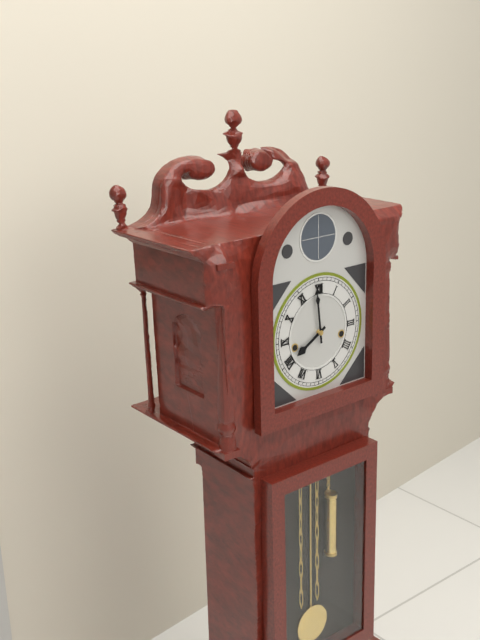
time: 7:59
